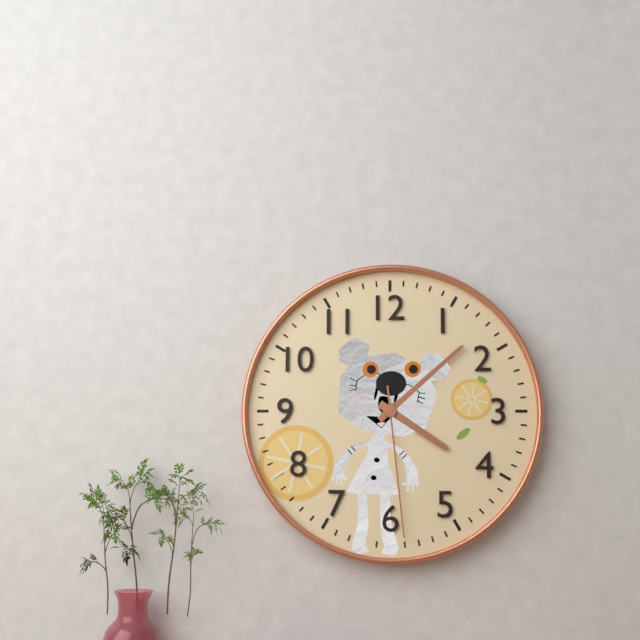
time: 4:08:29
